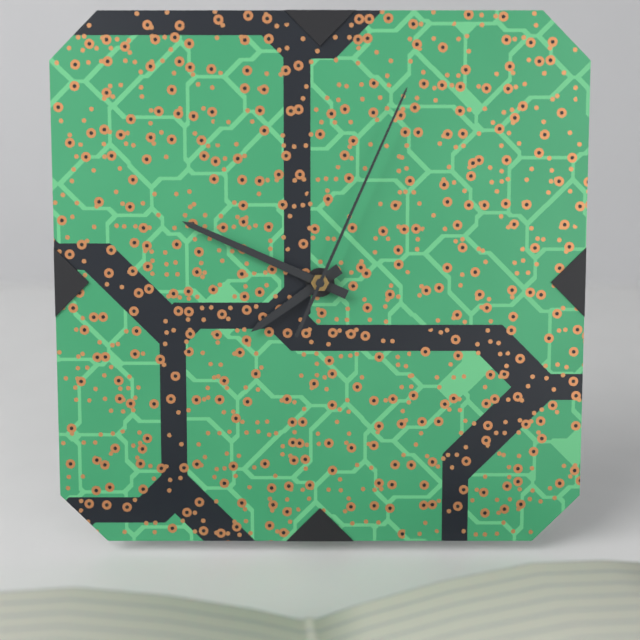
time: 7:49:04
